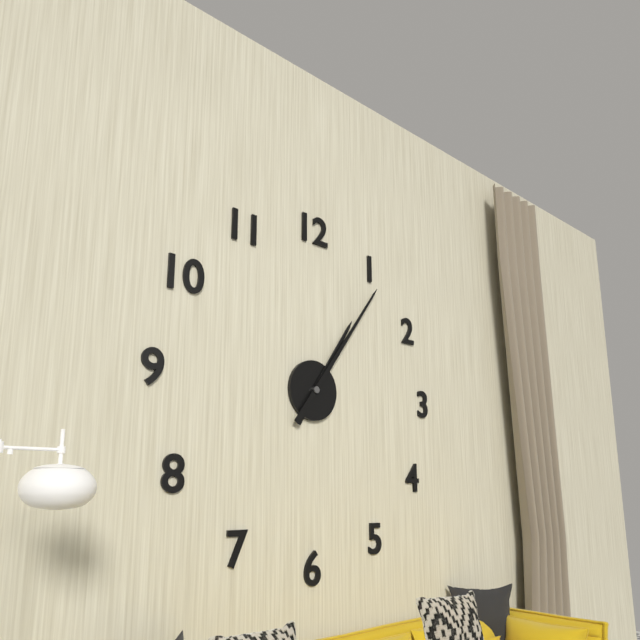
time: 1:06
